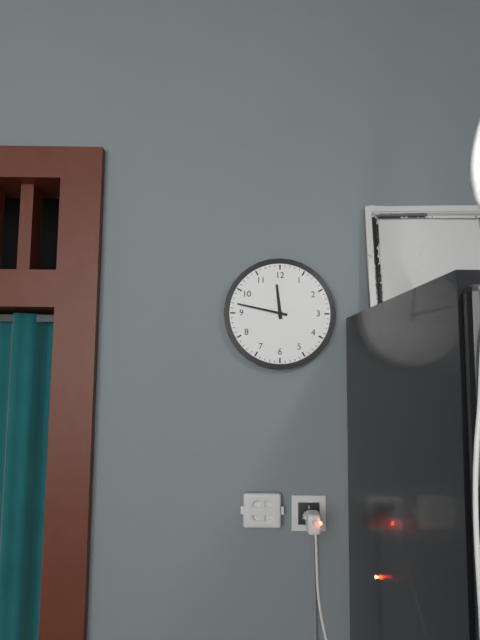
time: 11:47
